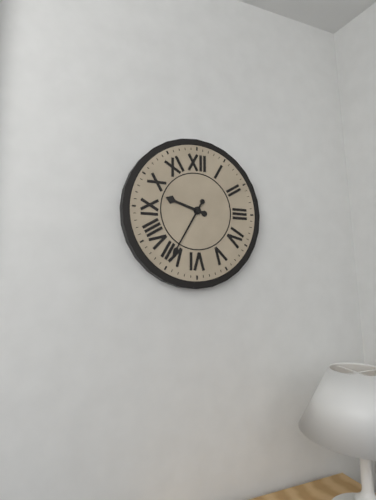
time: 9:35
